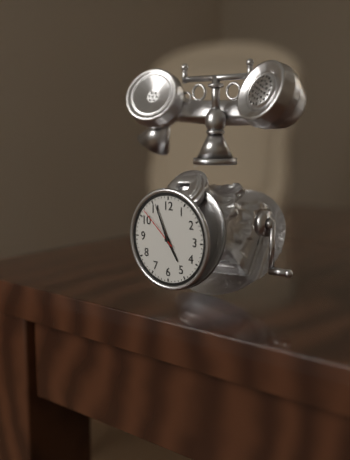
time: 4:56
